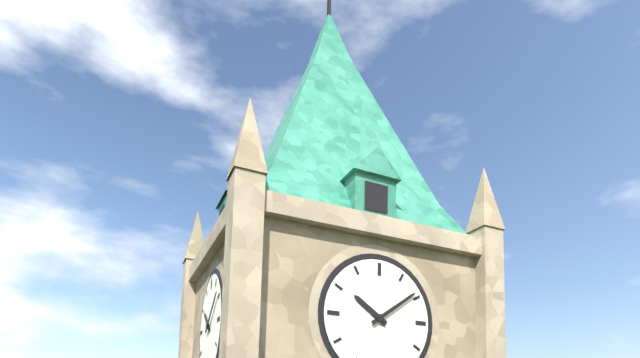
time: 10:09
